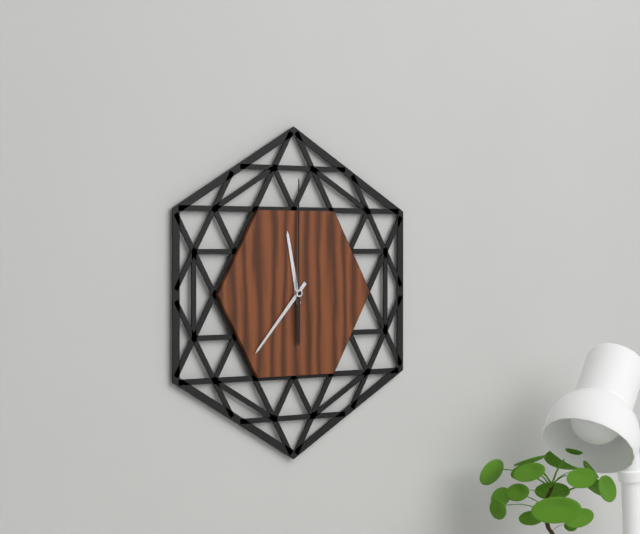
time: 11:37:00
